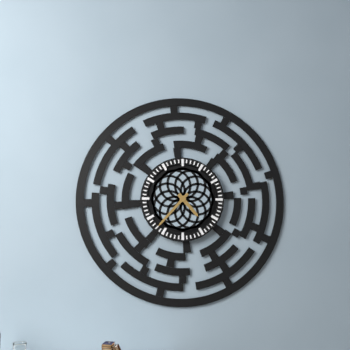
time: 4:37
